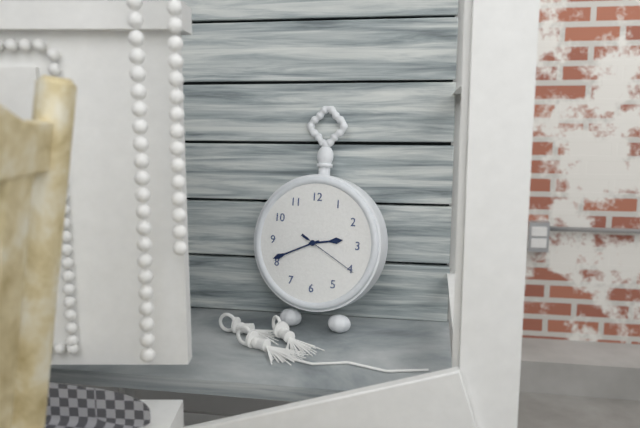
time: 2:41:20
